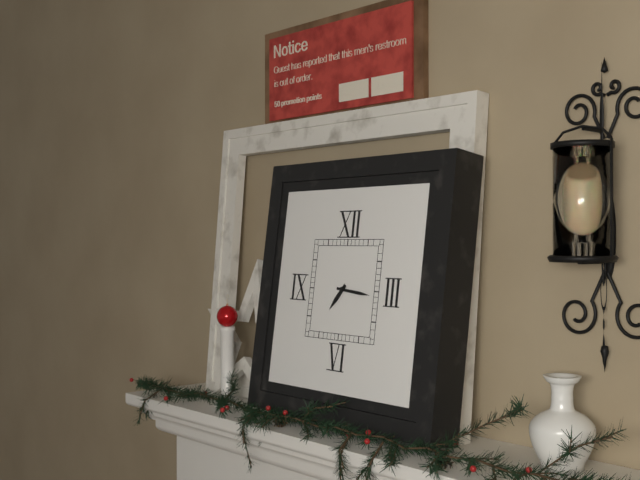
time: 7:16
